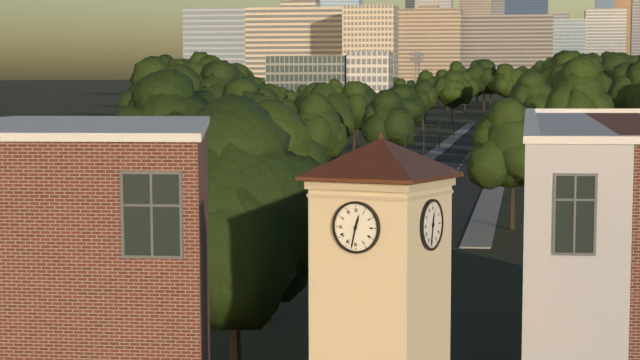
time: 12:32
